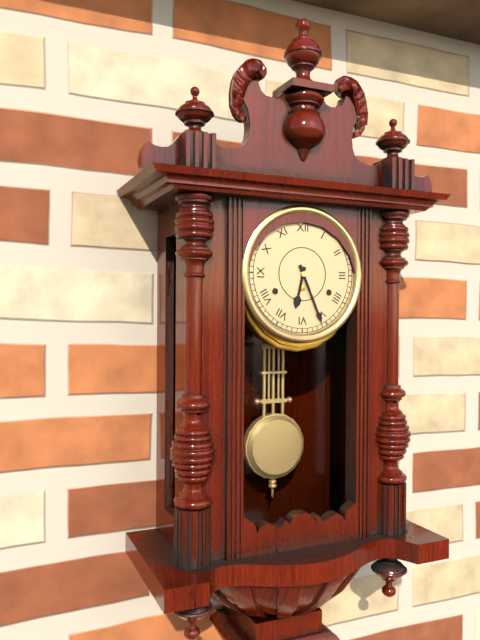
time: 6:26
